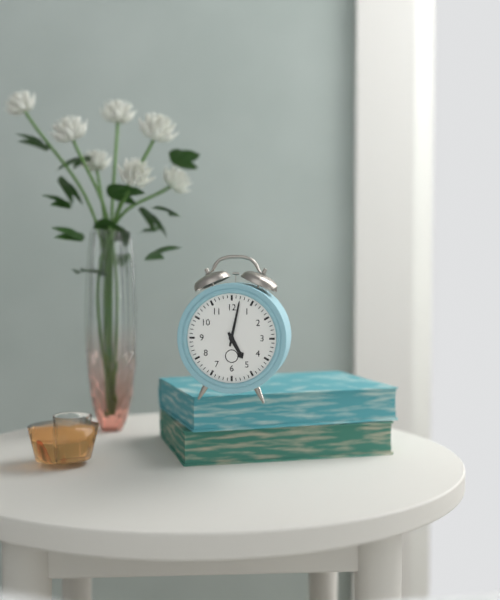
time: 5:02
